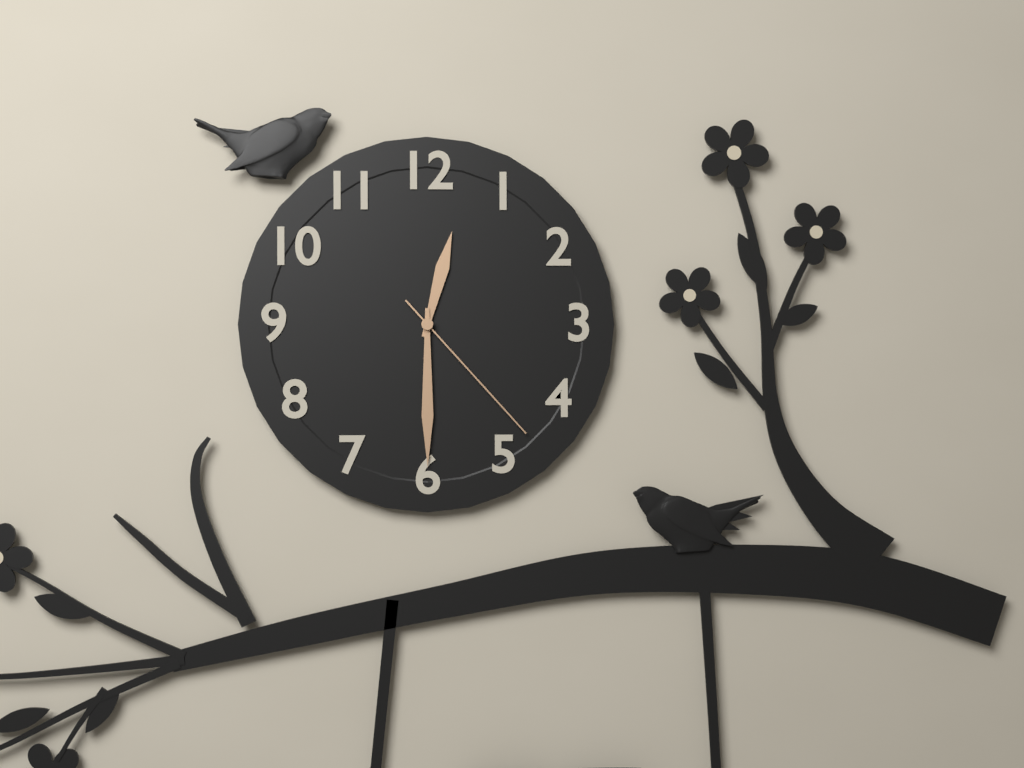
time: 12:30:23
